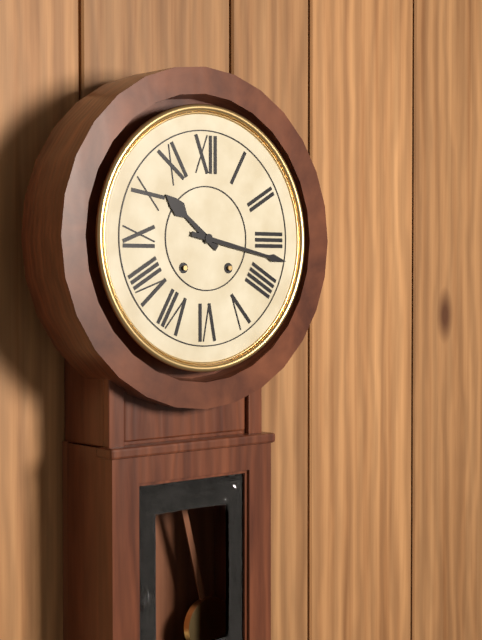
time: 10:17
